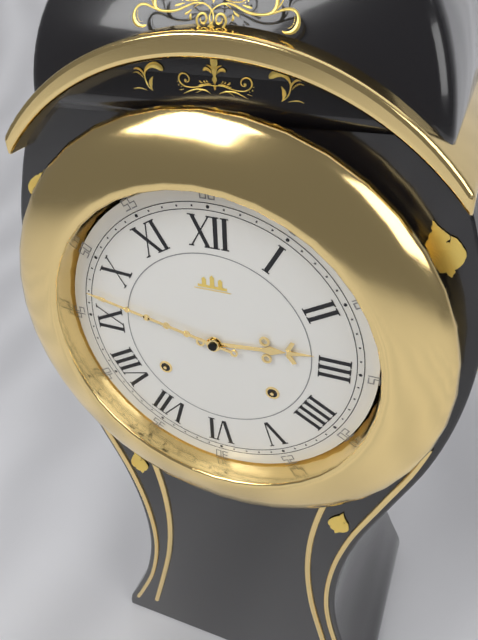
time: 2:47
